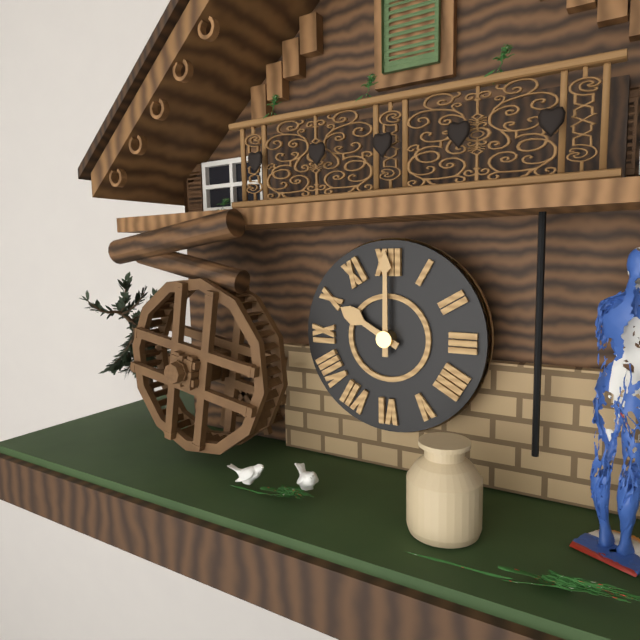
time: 10:00
